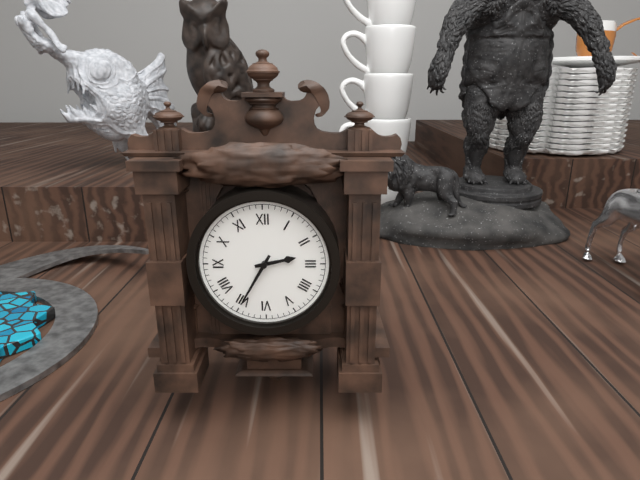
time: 2:35
